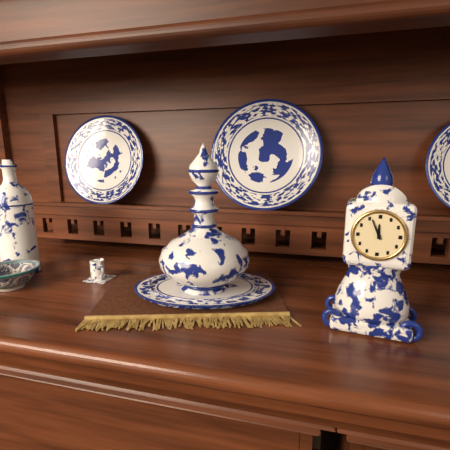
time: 11:56
